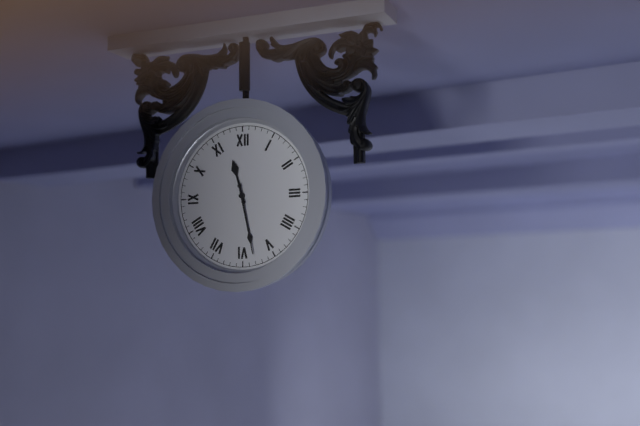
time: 11:28
